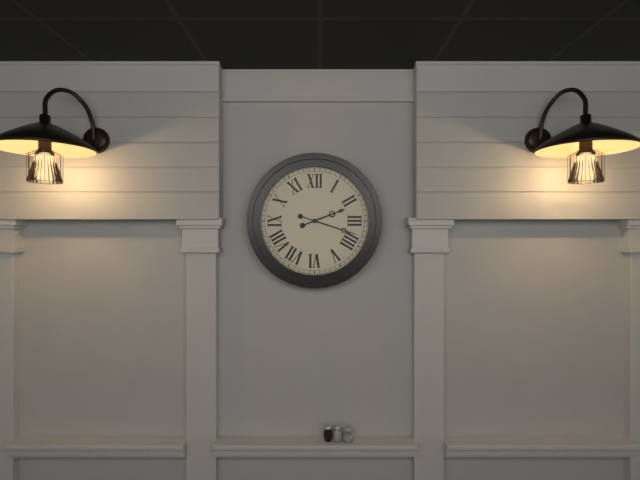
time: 2:18
